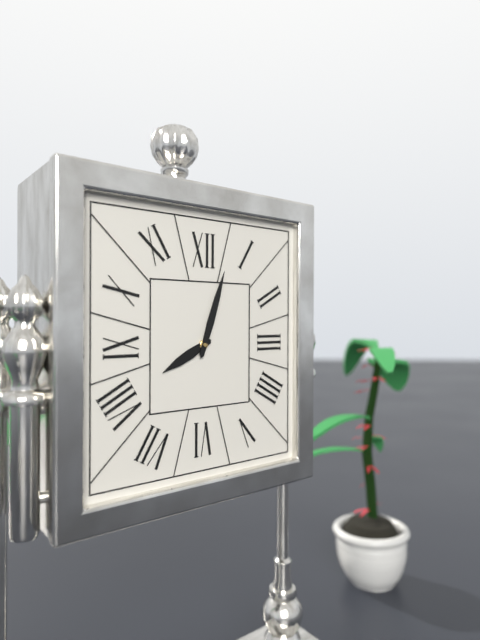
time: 8:03
